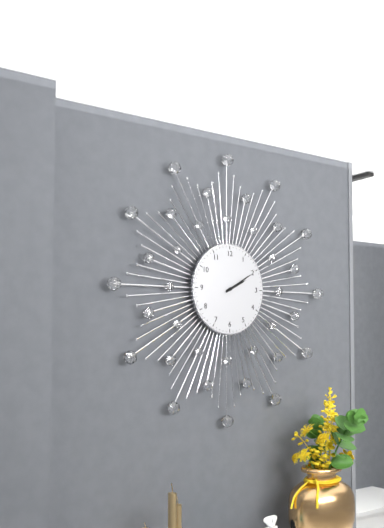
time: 2:10
